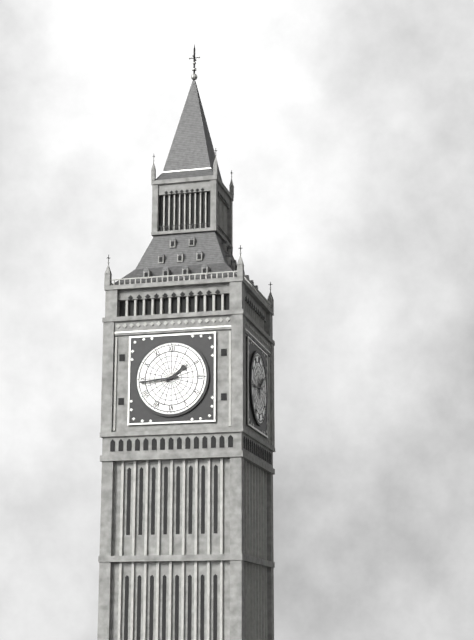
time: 1:44
